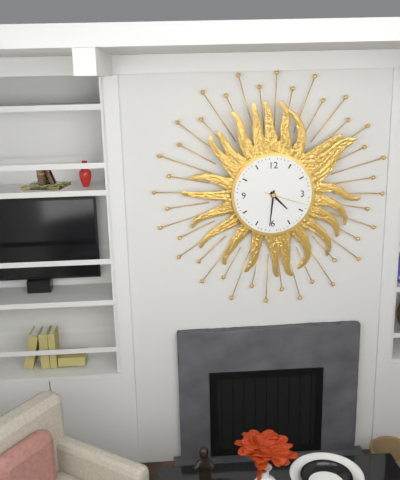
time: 4:31
